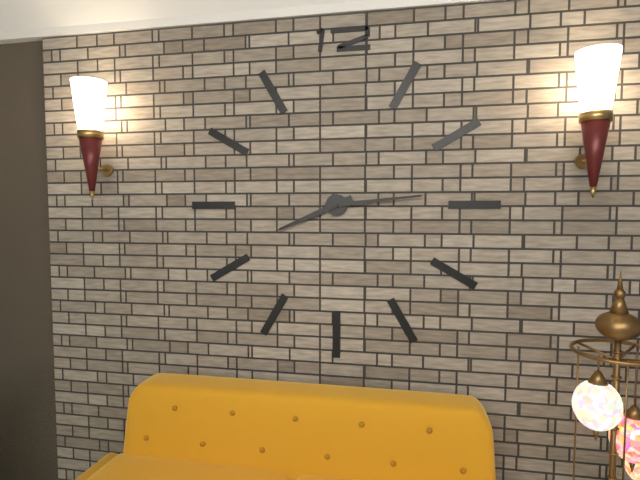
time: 8:14
